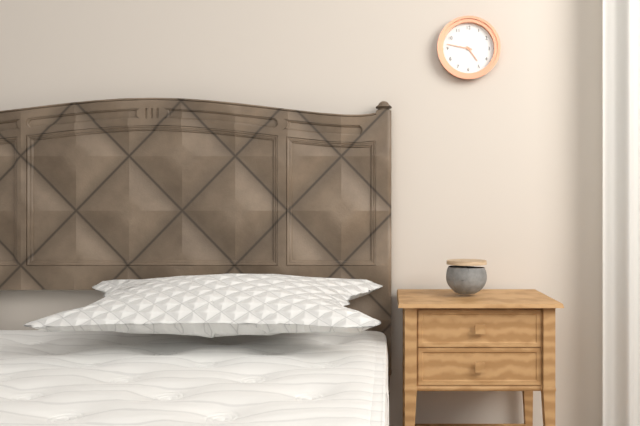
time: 4:47
